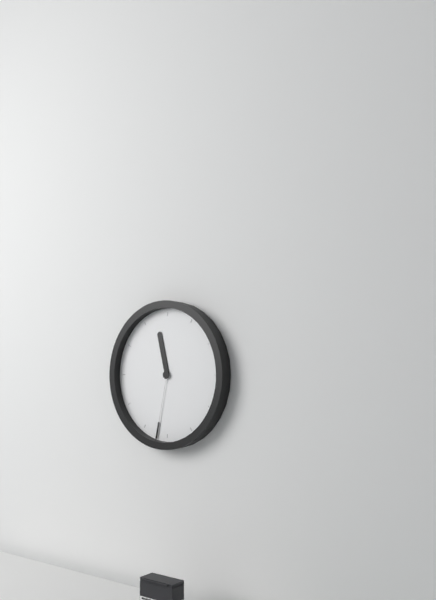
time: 11:32
